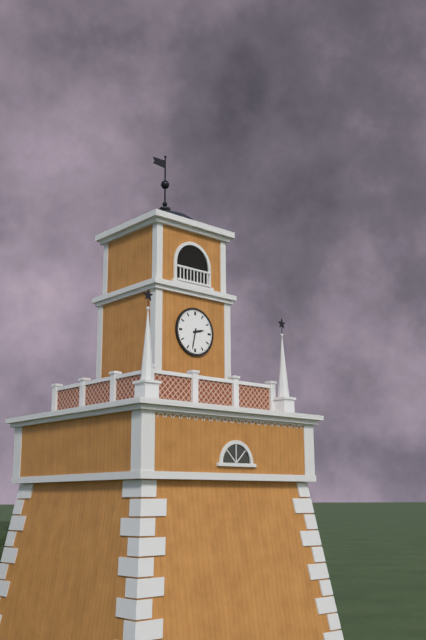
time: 2:32
